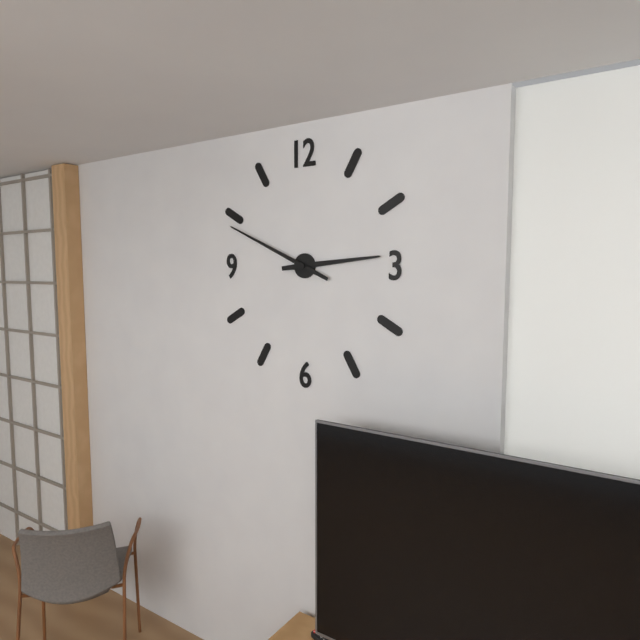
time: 2:49
